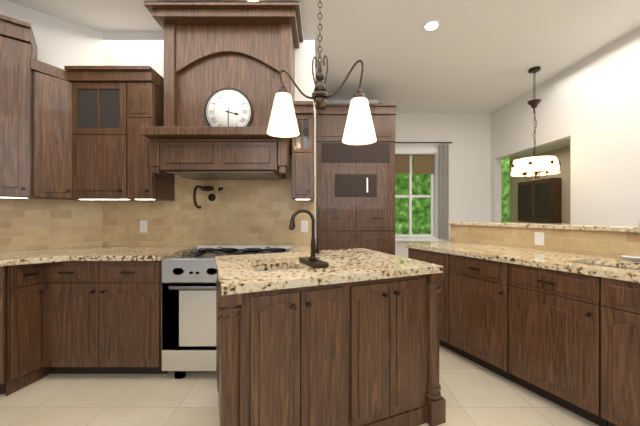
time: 3:30
